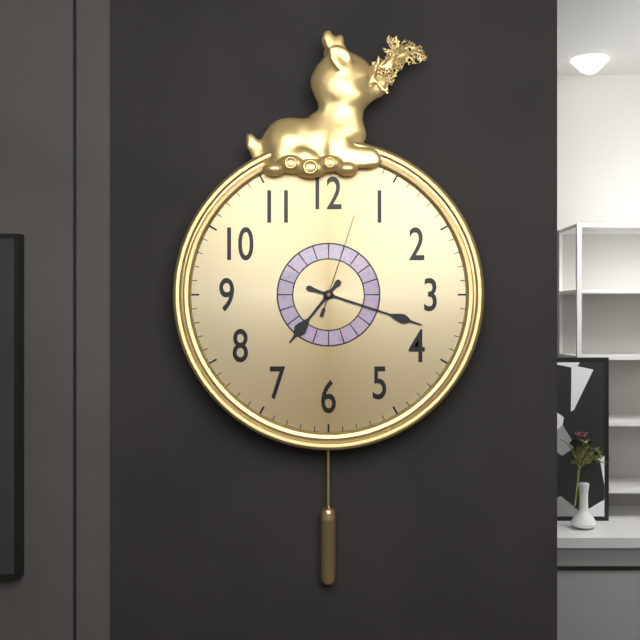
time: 7:18:03
